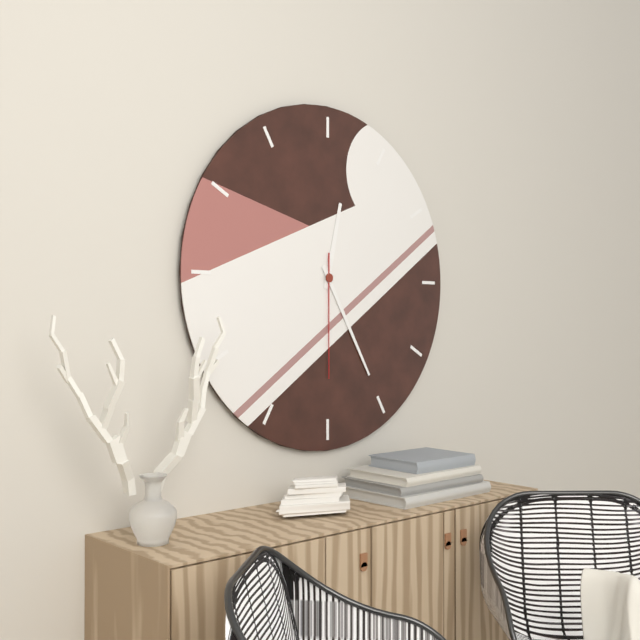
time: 12:25:30
